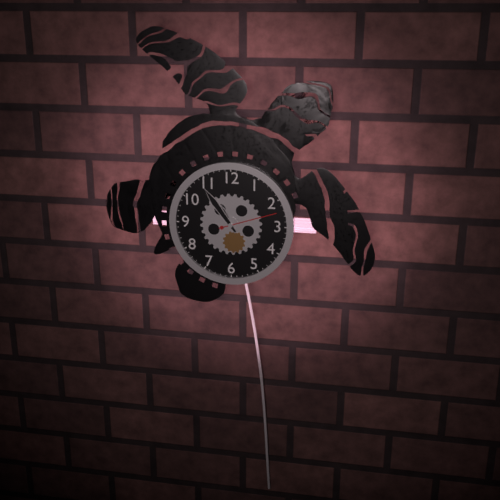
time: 10:54
